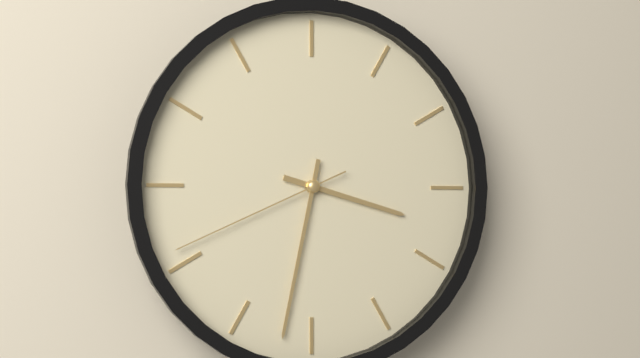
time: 3:32:41
